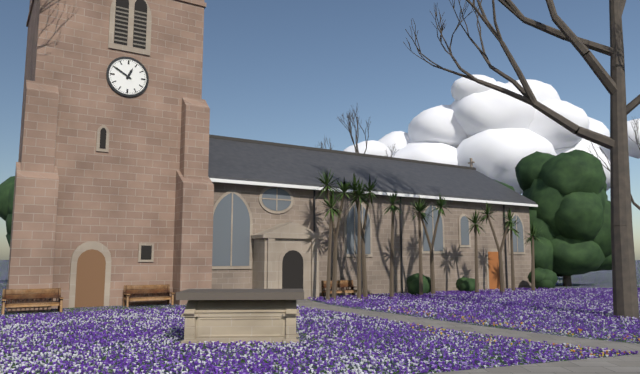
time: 12:50
